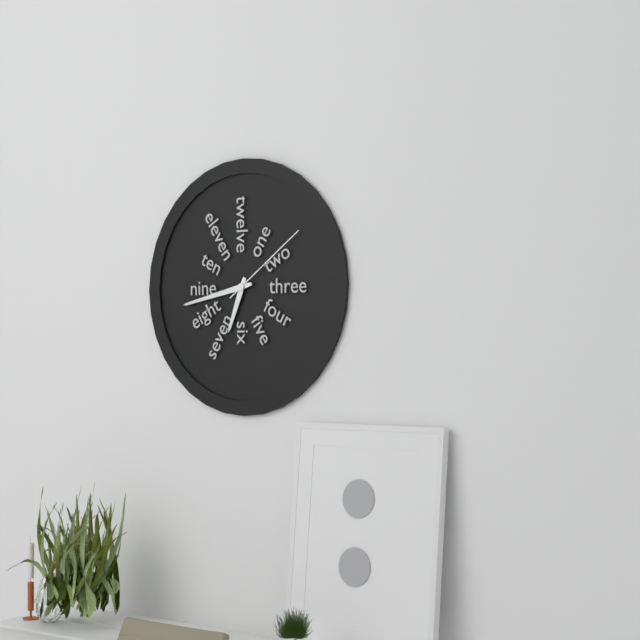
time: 6:43:09
